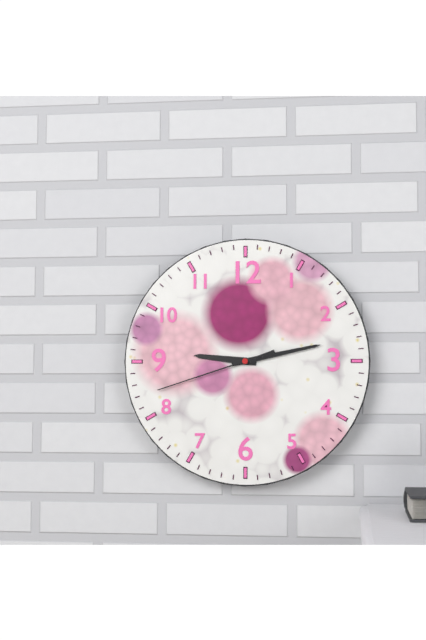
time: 9:13:42
